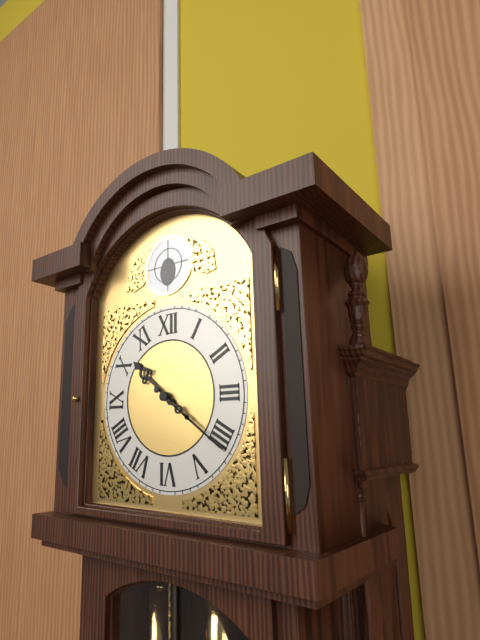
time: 10:21
